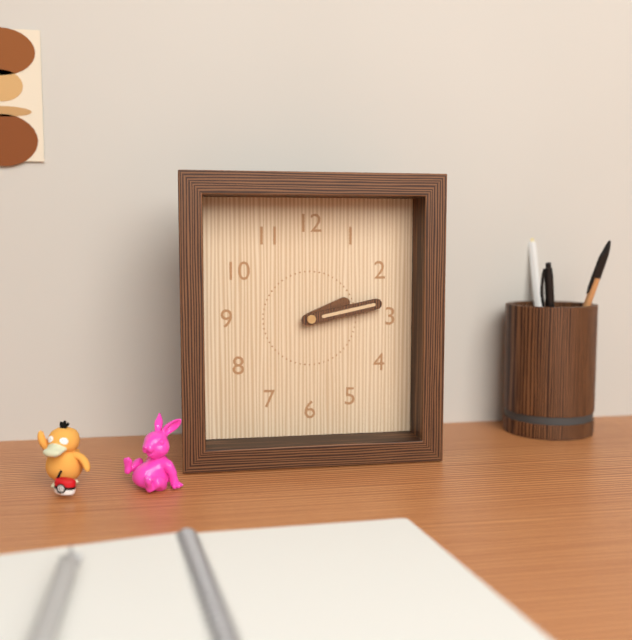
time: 2:13
